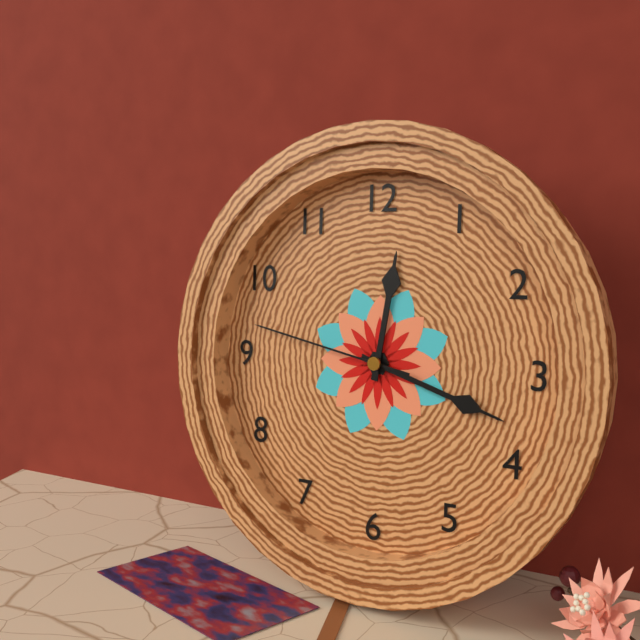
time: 12:18:47
